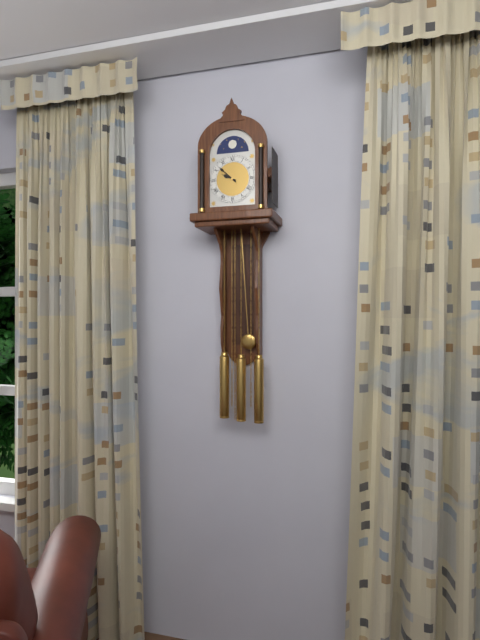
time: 9:52
